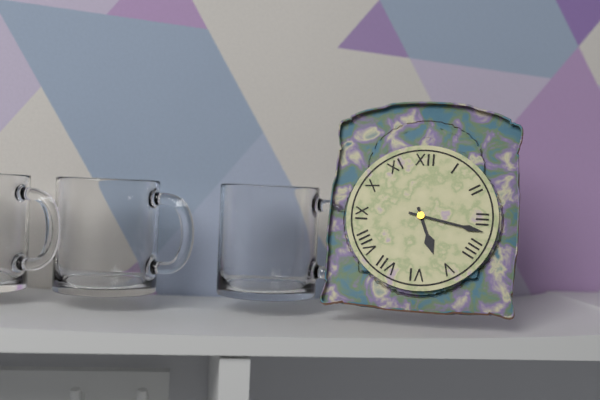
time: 5:17
